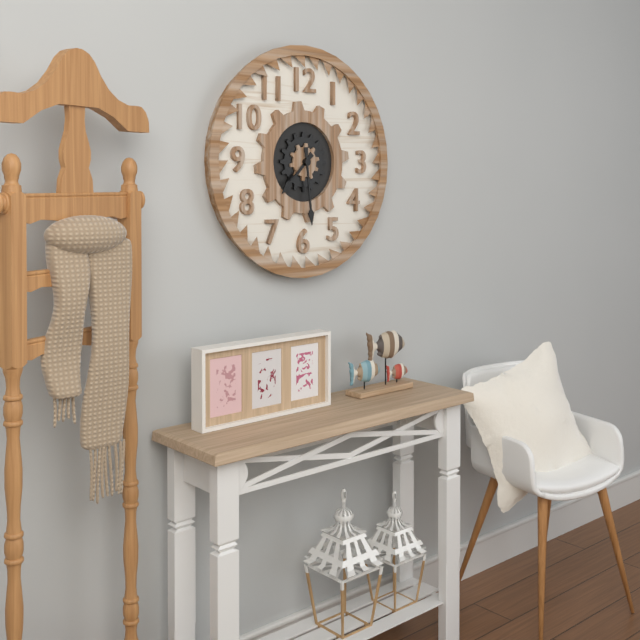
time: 7:29
